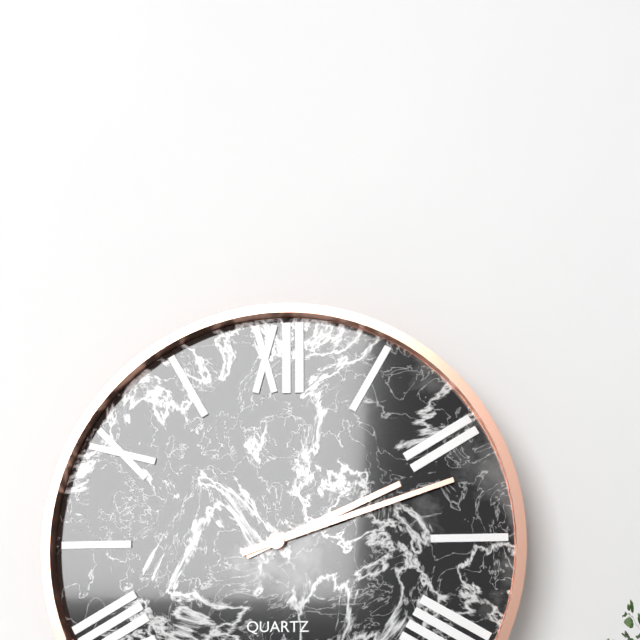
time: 2:12
